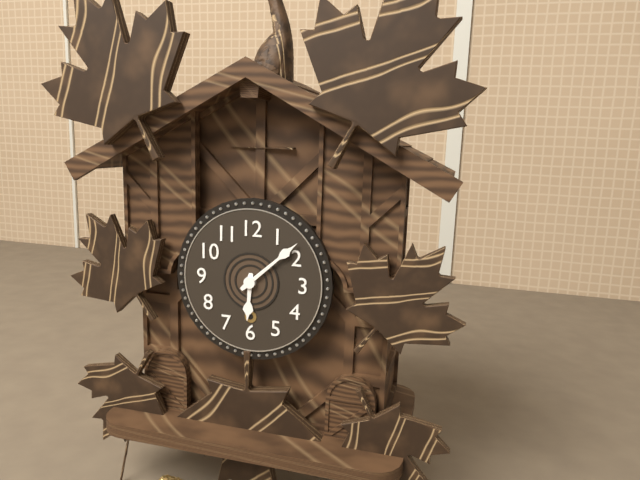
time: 6:08
